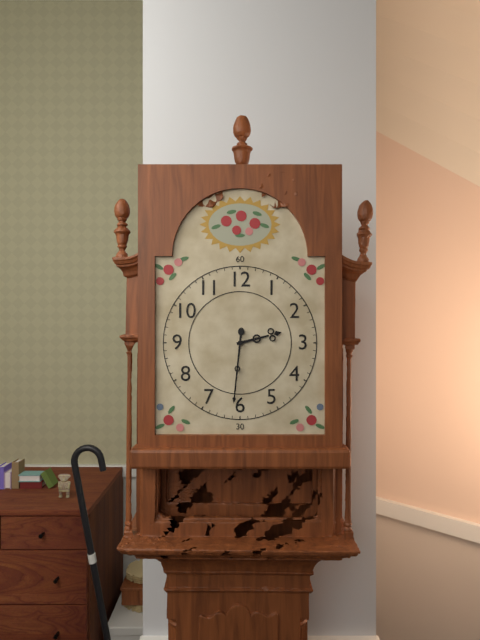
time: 2:31
